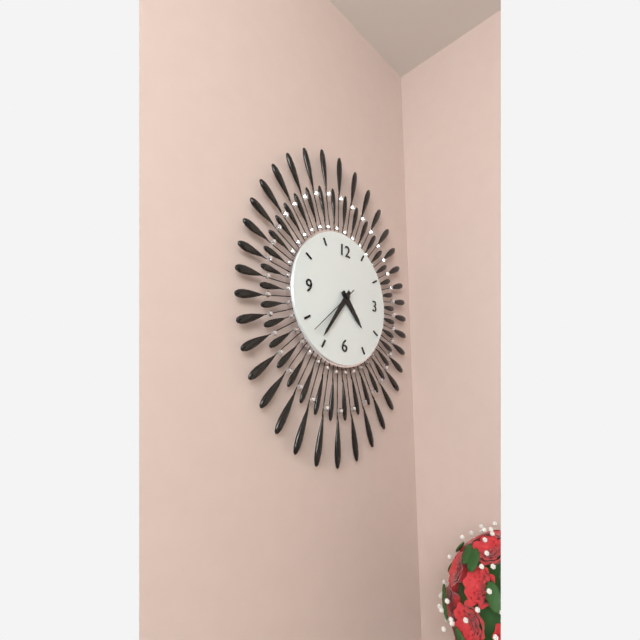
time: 4:36:38
